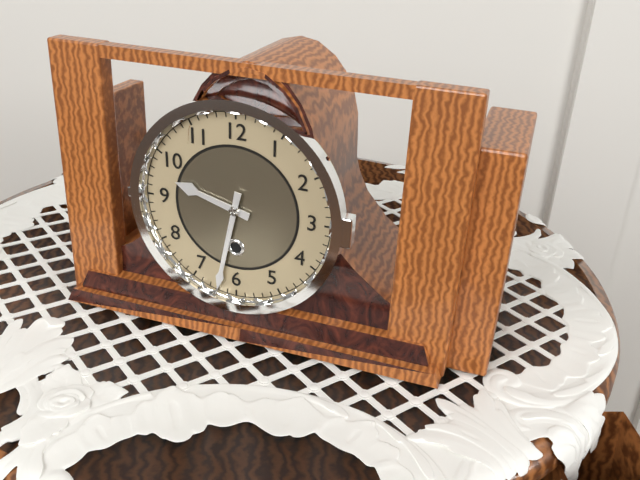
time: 9:32
